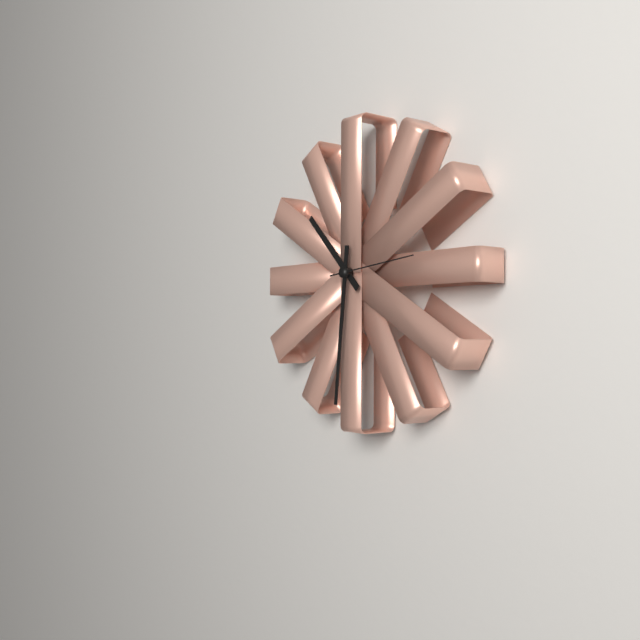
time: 10:31
